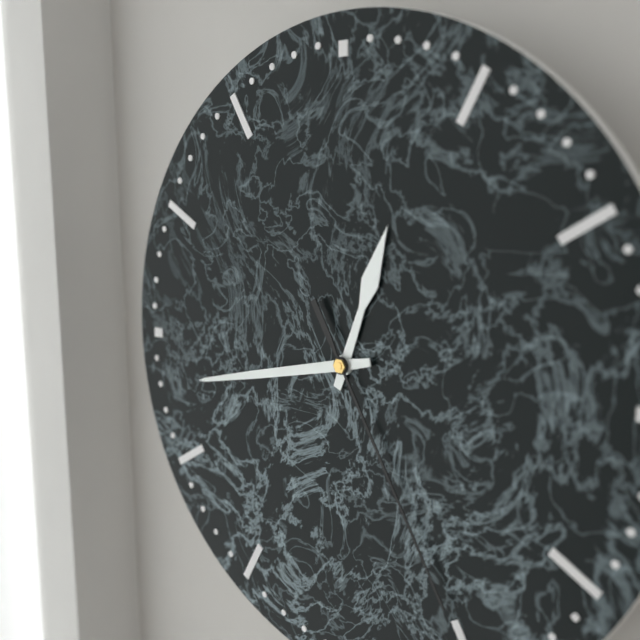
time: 12:43:25
